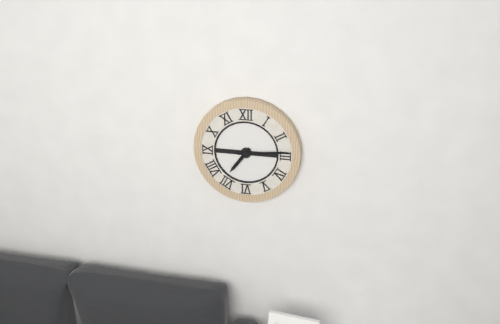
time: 7:14
